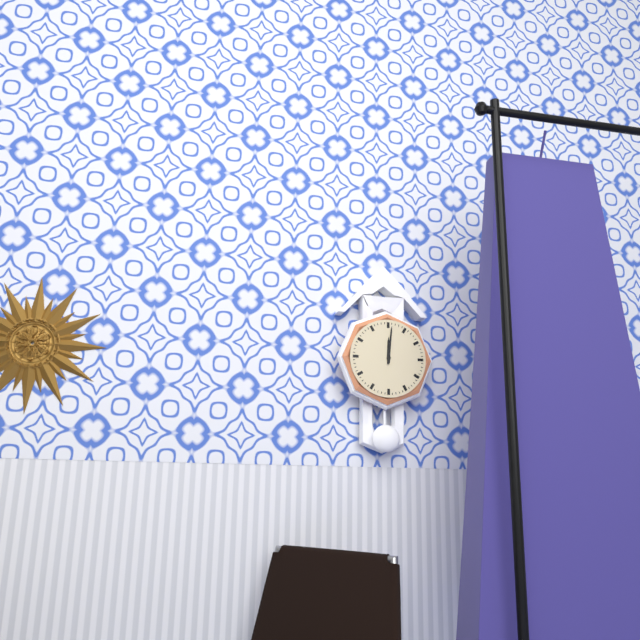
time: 12:01
